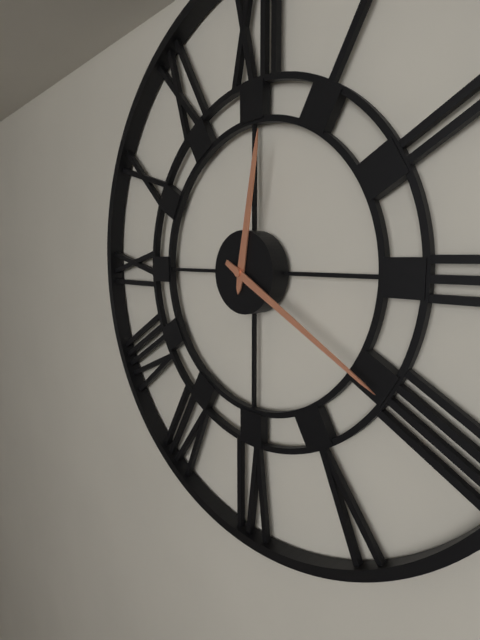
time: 12:20
